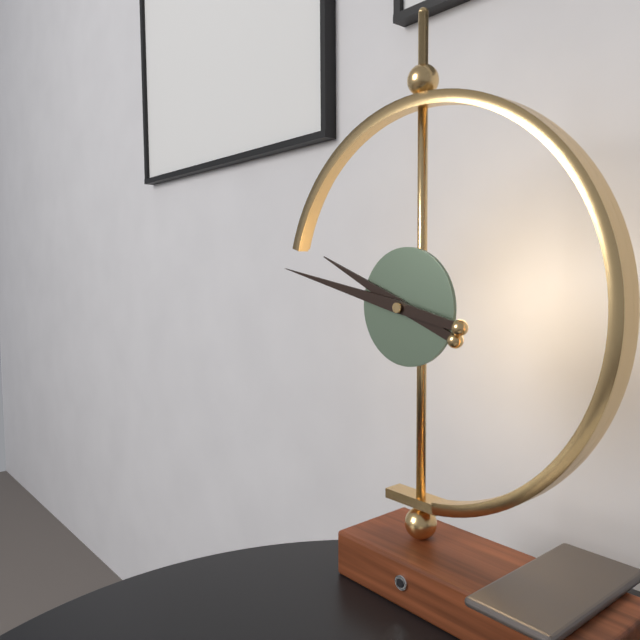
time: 9:47
